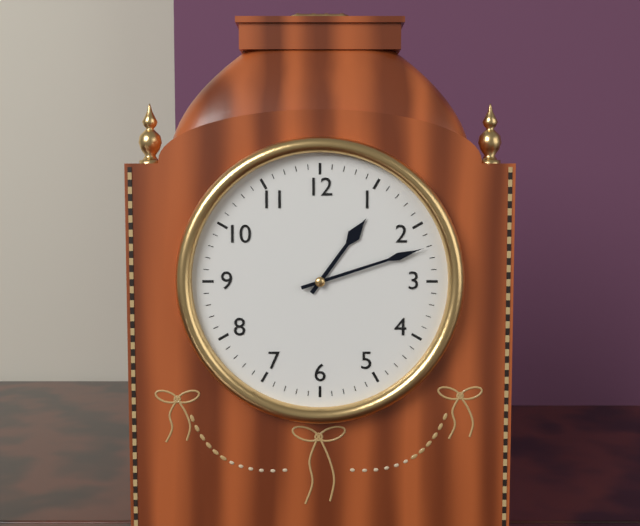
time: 1:12
